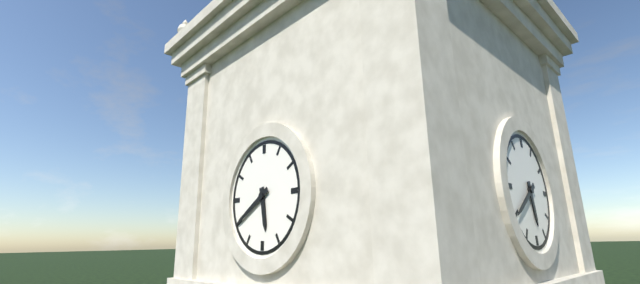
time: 5:40
